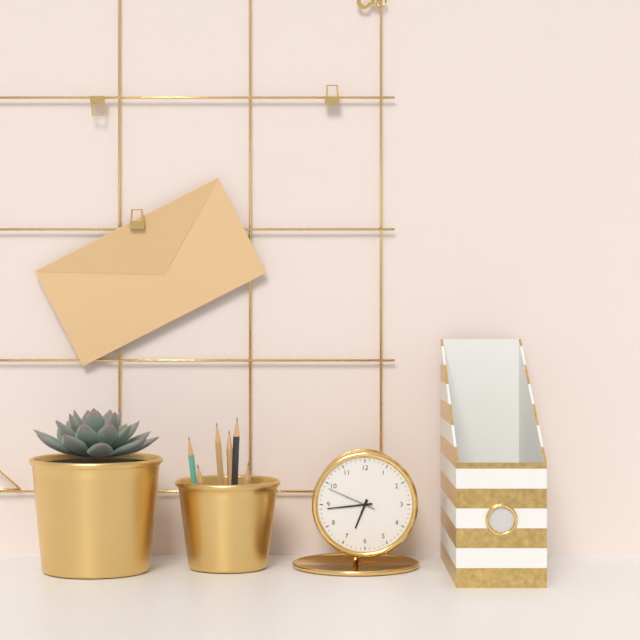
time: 6:44:49
